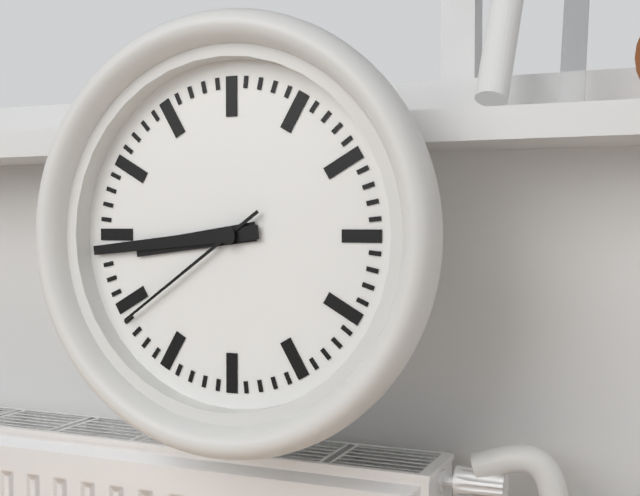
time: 8:44:39
